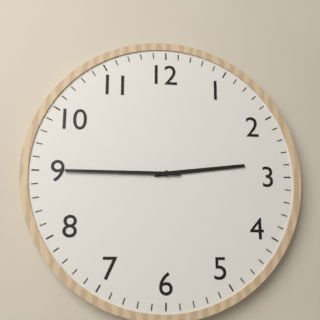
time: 2:45
